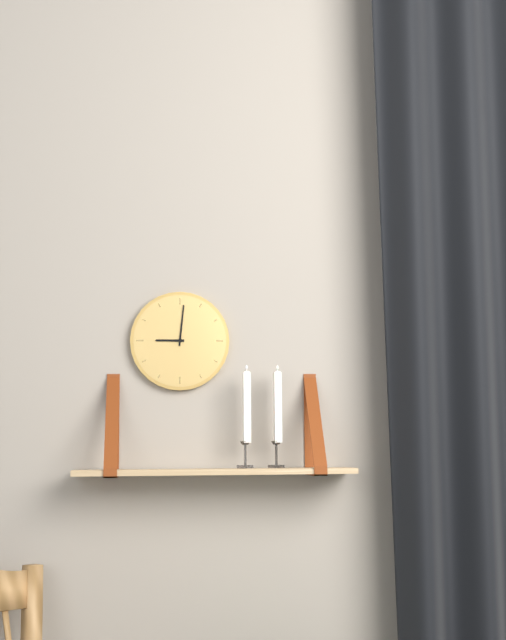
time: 9:01
